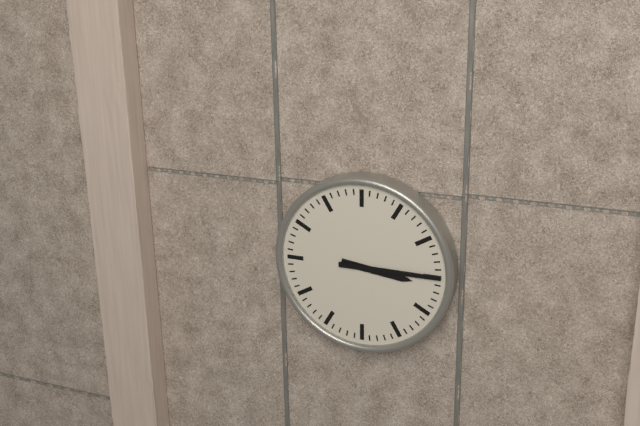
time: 3:15
